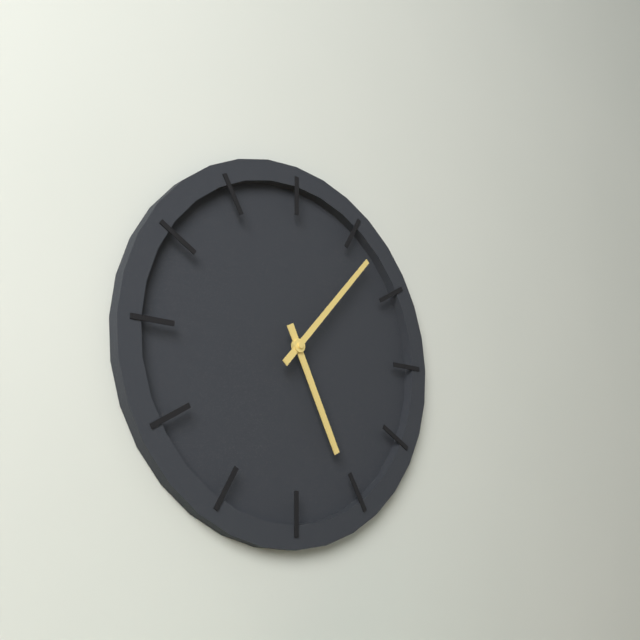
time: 5:07
